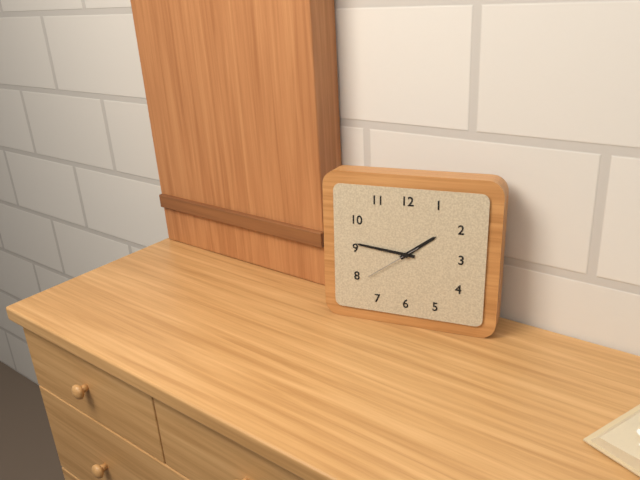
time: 1:46:39
